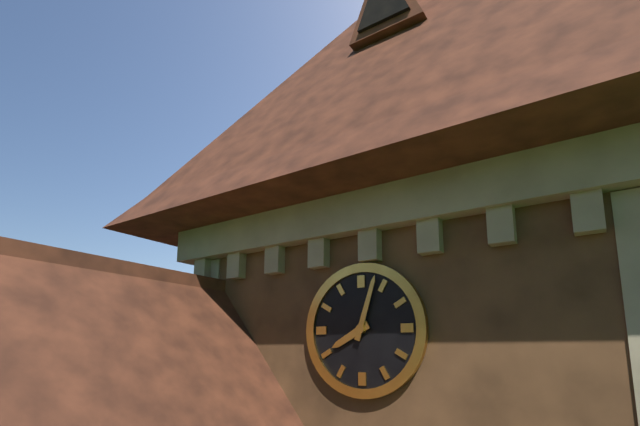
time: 8:03
